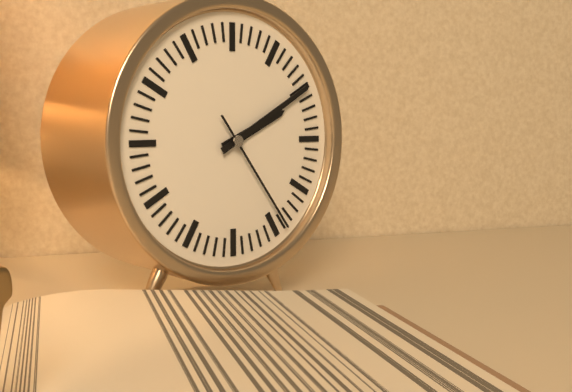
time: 2:10:24
